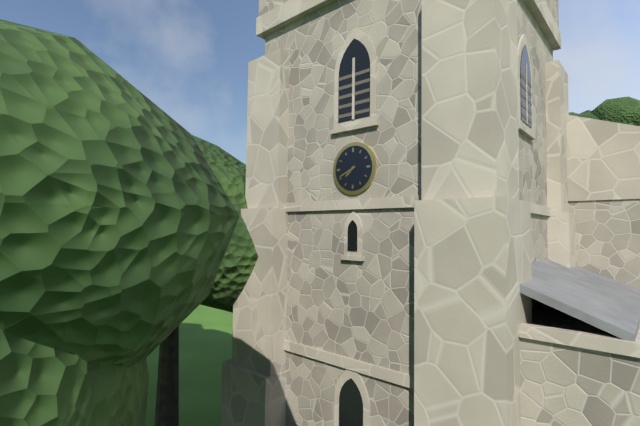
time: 7:41
